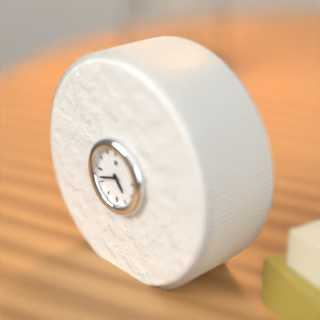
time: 4:42
